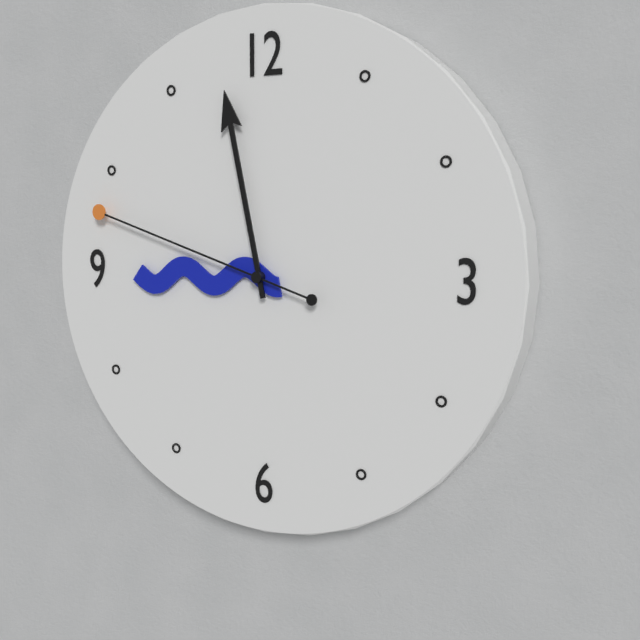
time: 8:58:48
